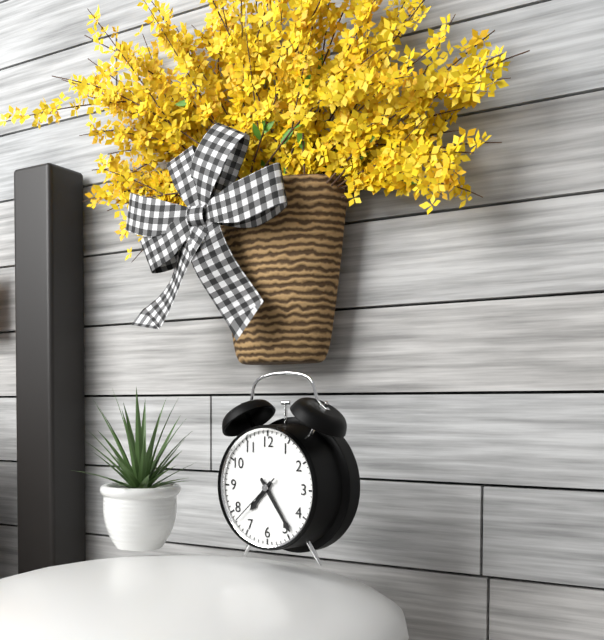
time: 7:24:38
